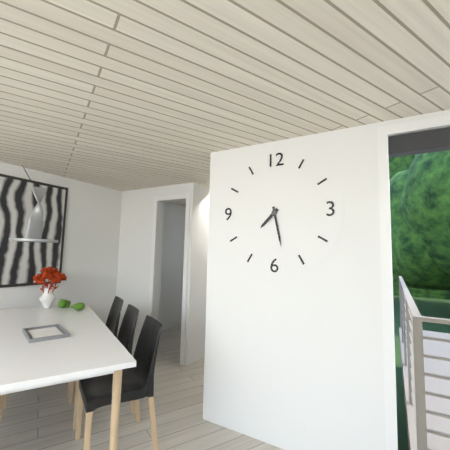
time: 7:28
